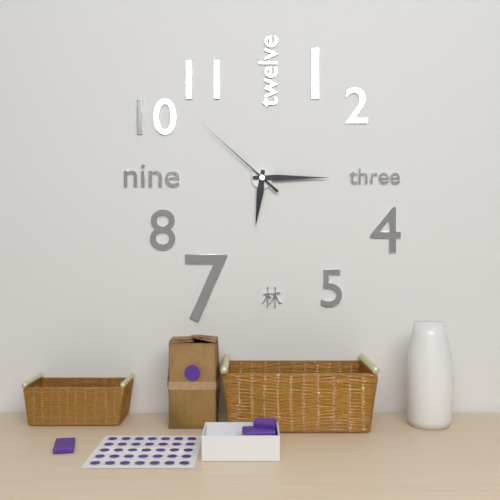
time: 6:15:52
